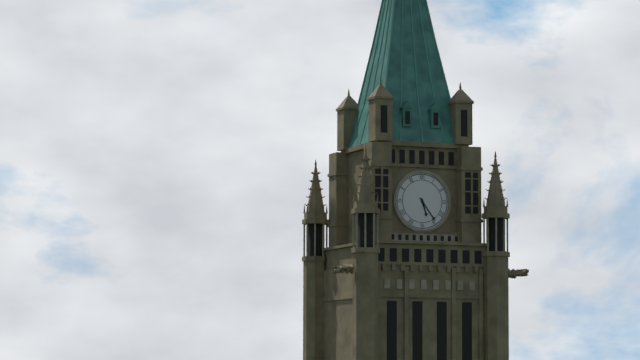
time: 5:24
